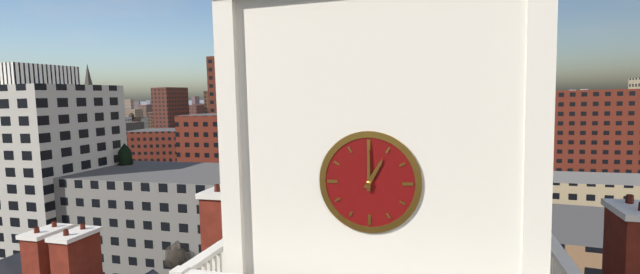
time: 1:00
